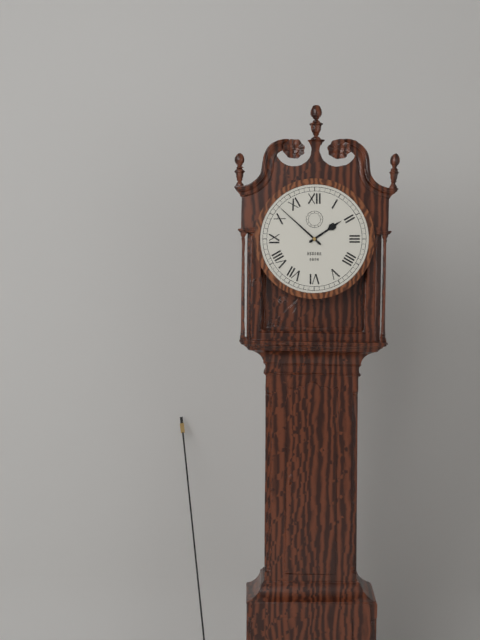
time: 1:52
